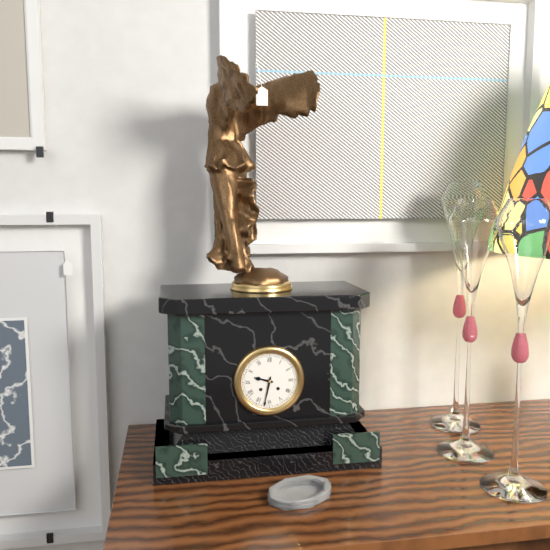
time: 9:32
